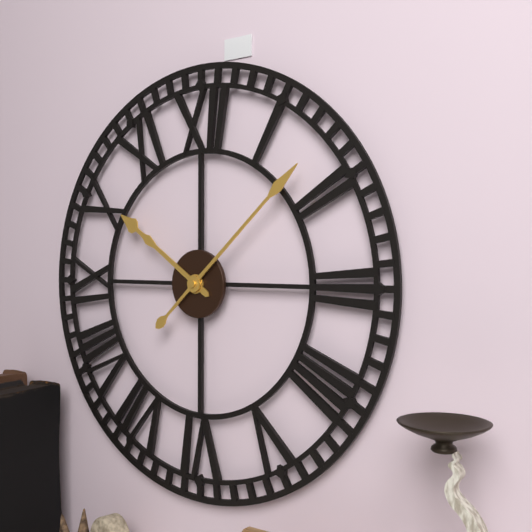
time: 10:08
